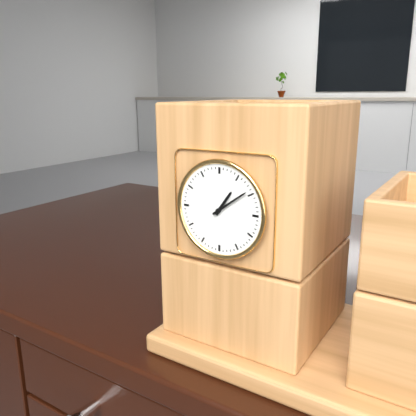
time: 1:09
